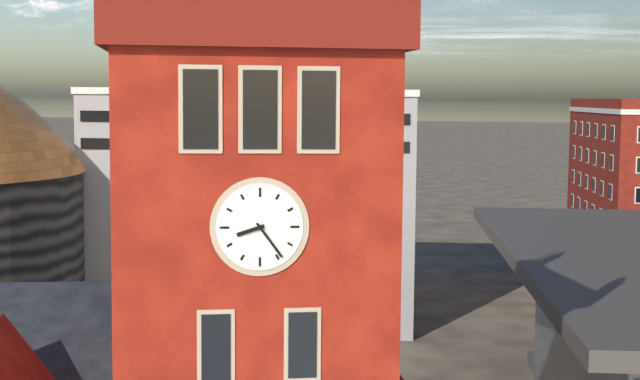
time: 8:24
